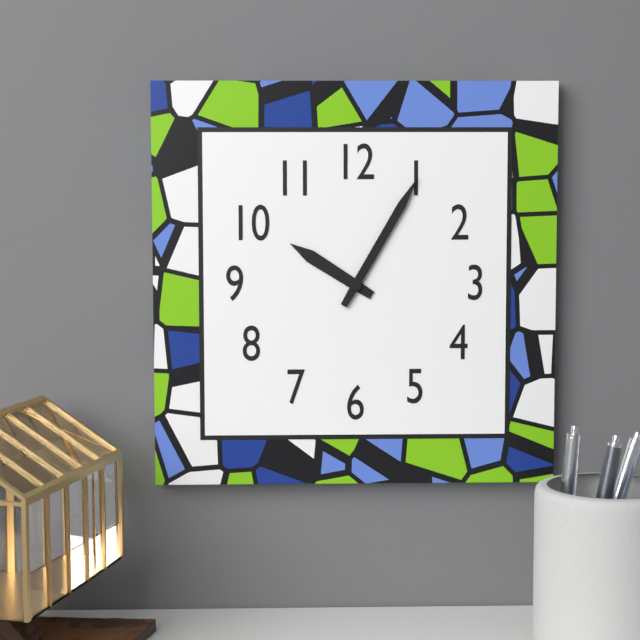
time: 10:05
